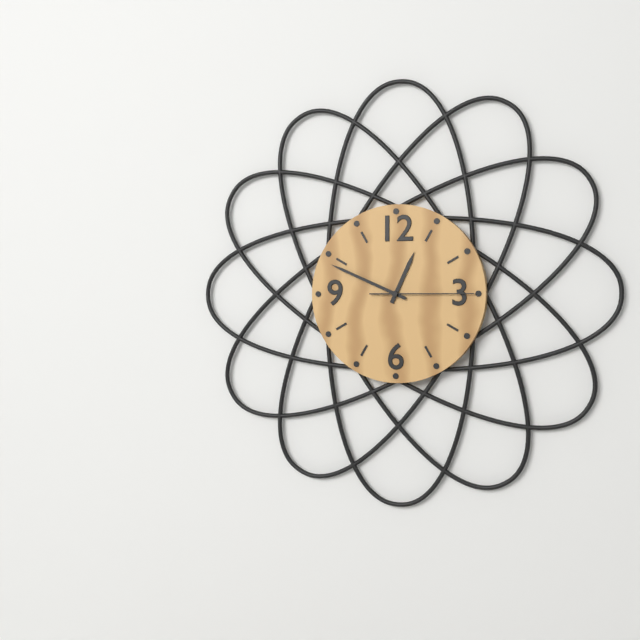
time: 12:49:15
